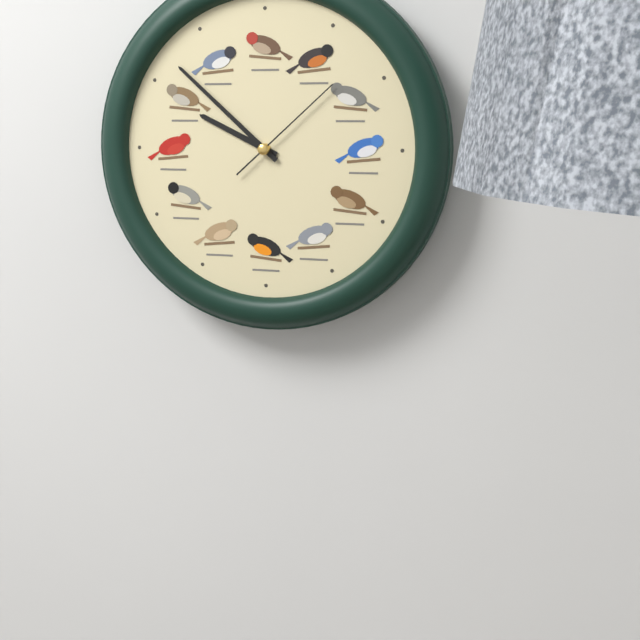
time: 9:52:08
